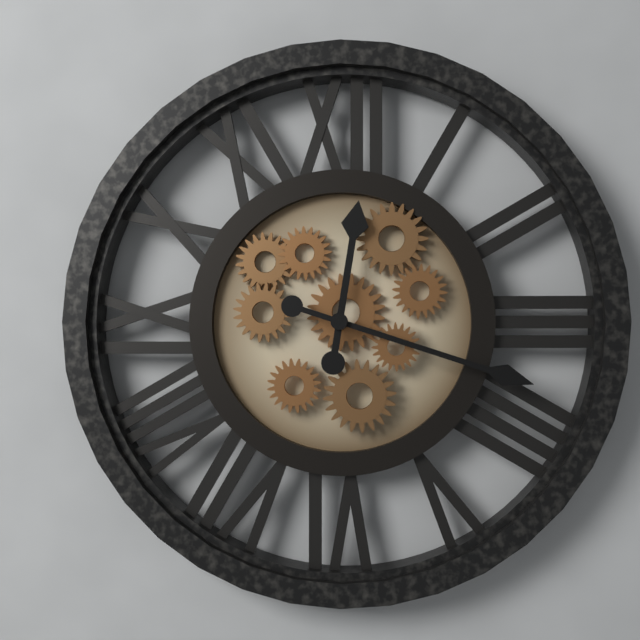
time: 12:18
